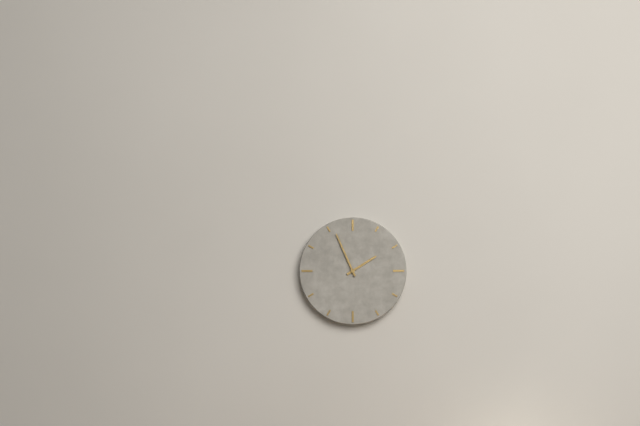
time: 1:56
